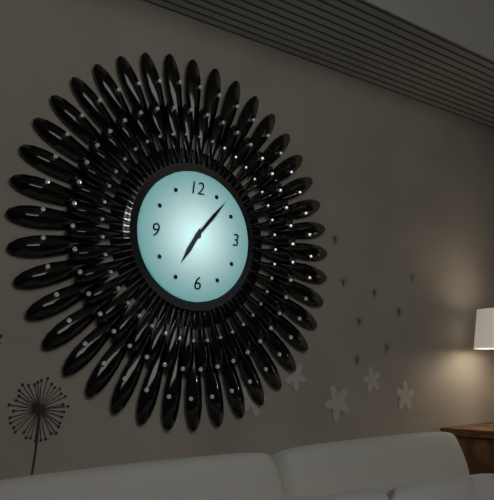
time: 7:07
